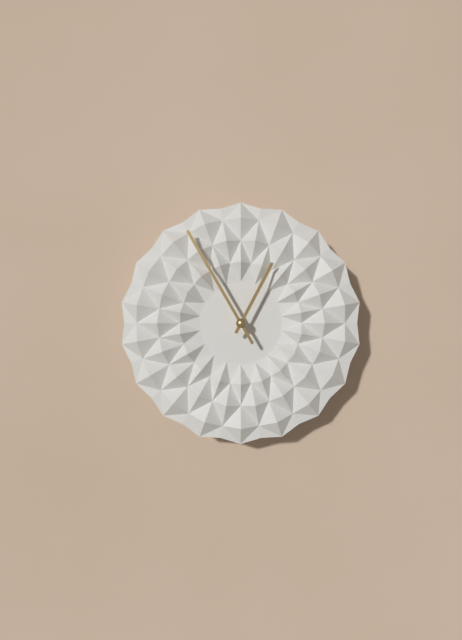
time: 12:55
